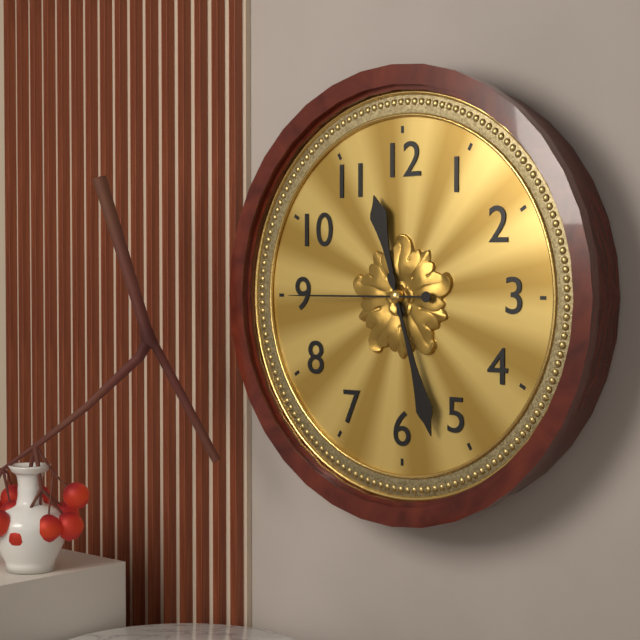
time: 11:27:45
